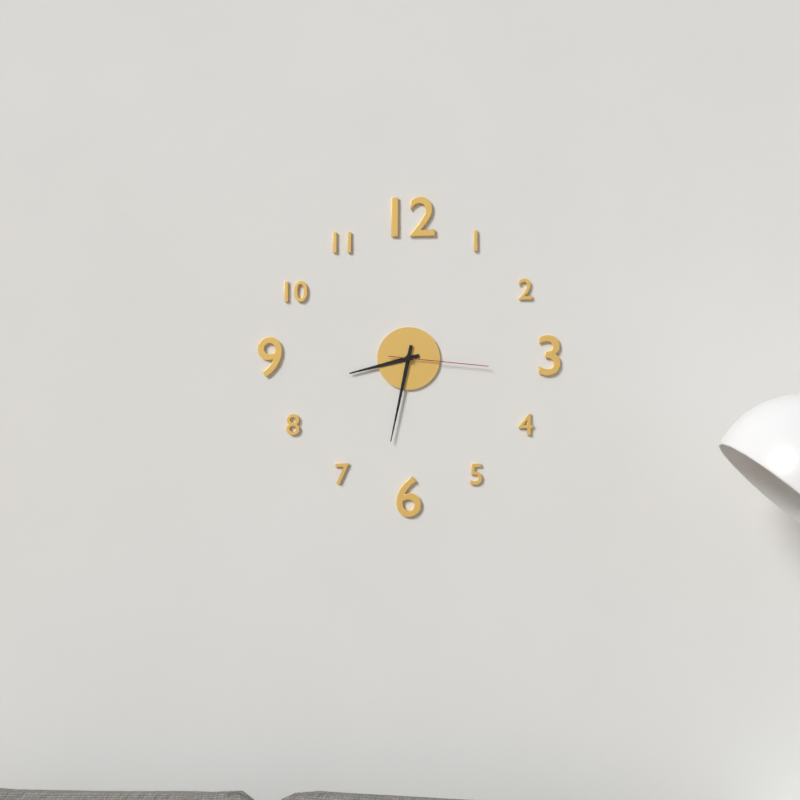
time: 8:32:16
